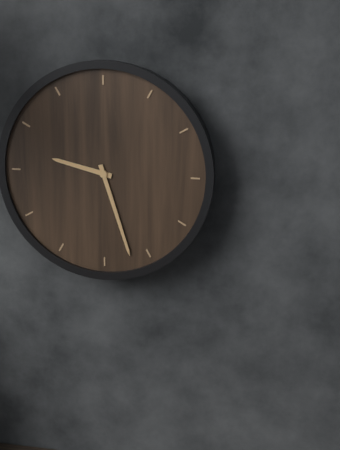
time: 9:27
